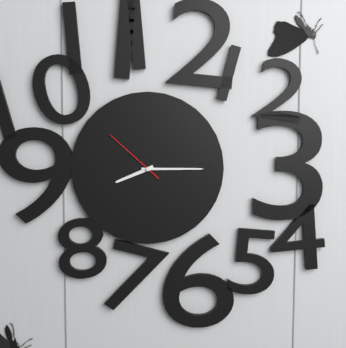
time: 8:15:52
